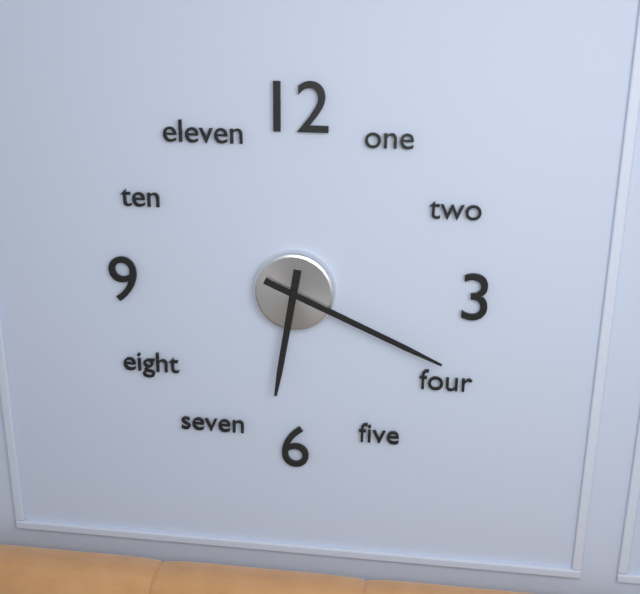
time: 6:19
